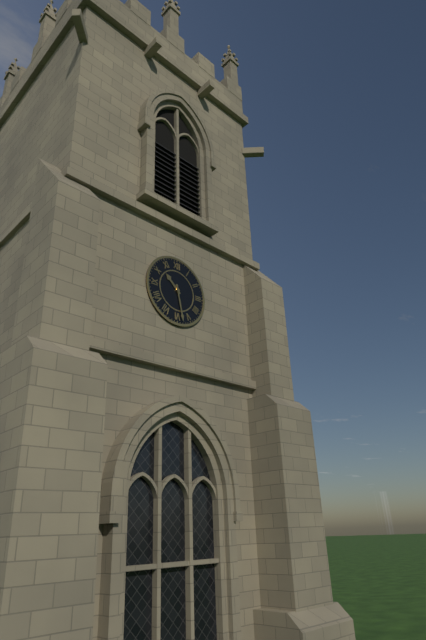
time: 10:28
